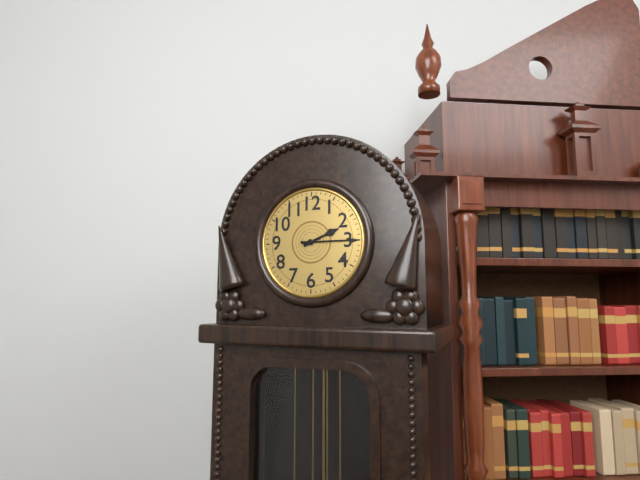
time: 2:15
